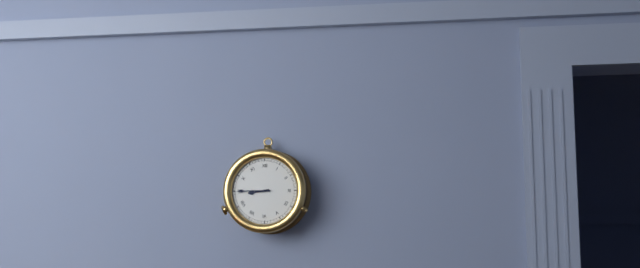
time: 8:45
